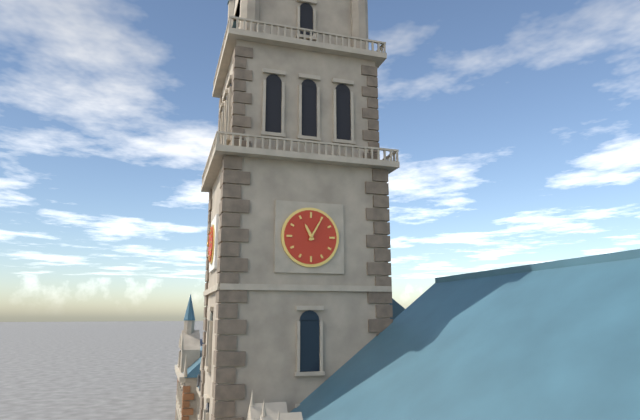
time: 11:05
